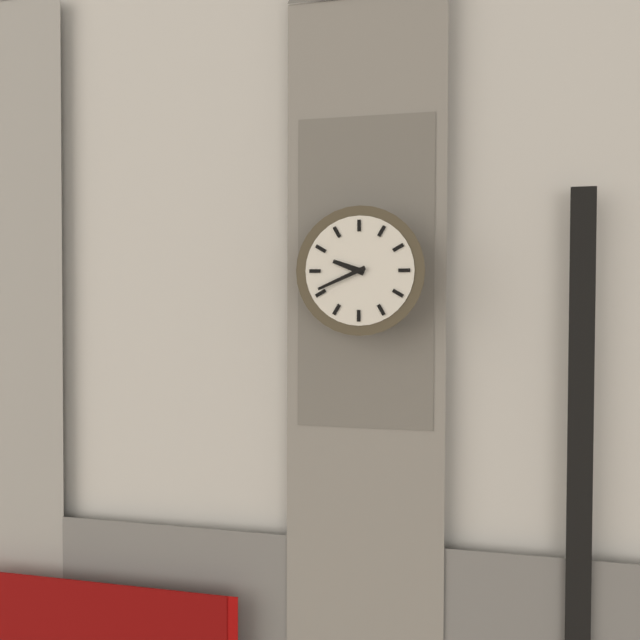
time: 9:41
